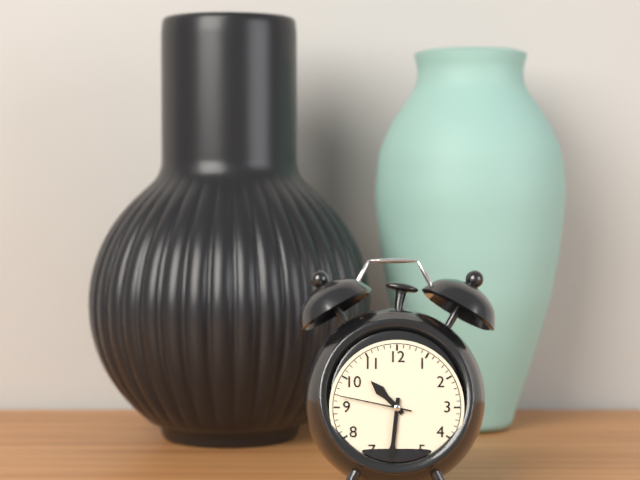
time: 10:31:47
